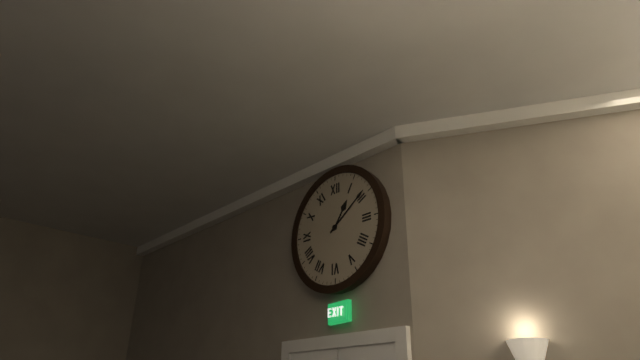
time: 1:09
